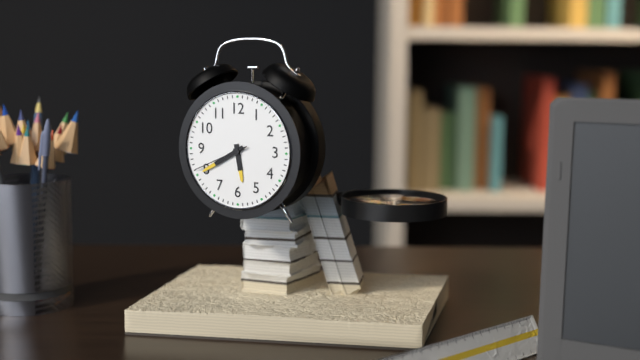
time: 5:40:41
